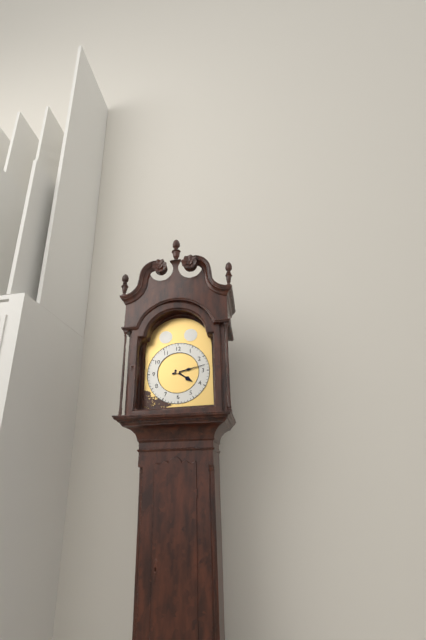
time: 4:13
